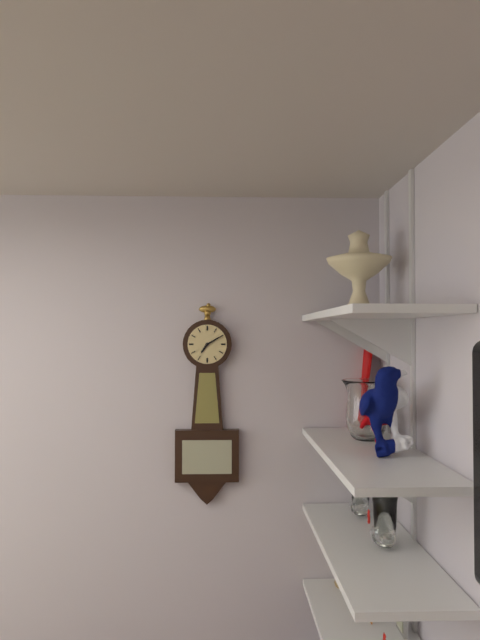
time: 7:10
